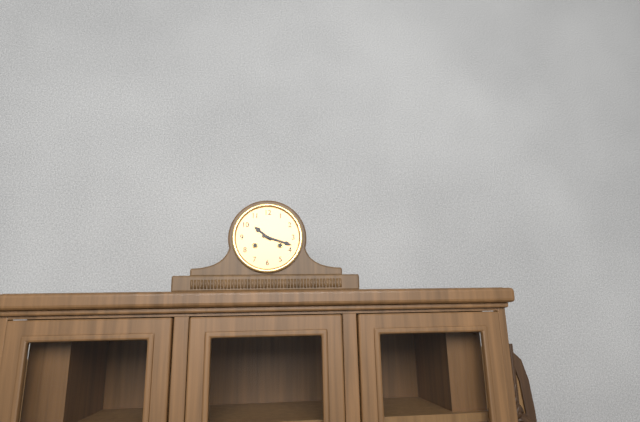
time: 10:18
